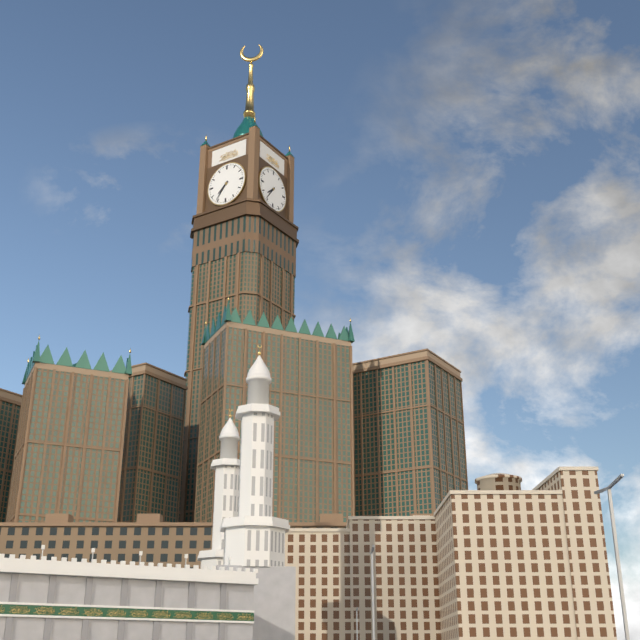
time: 7:36
